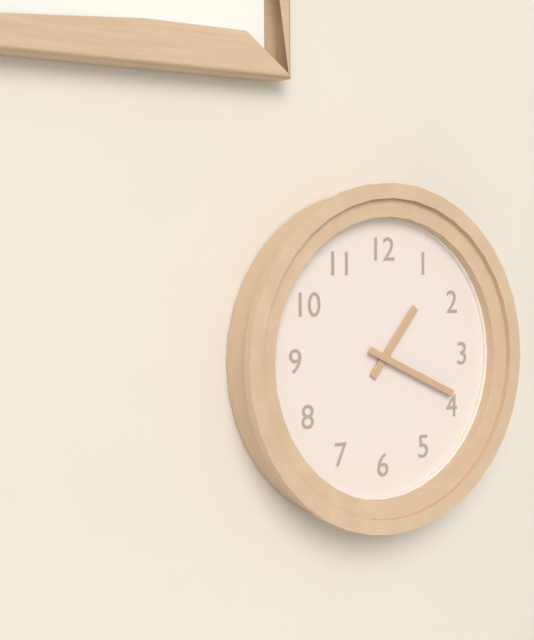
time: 1:19
